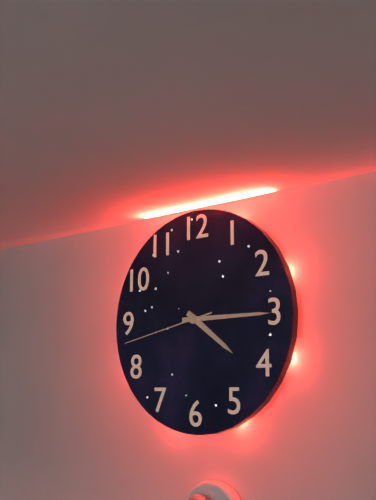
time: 4:15:43
